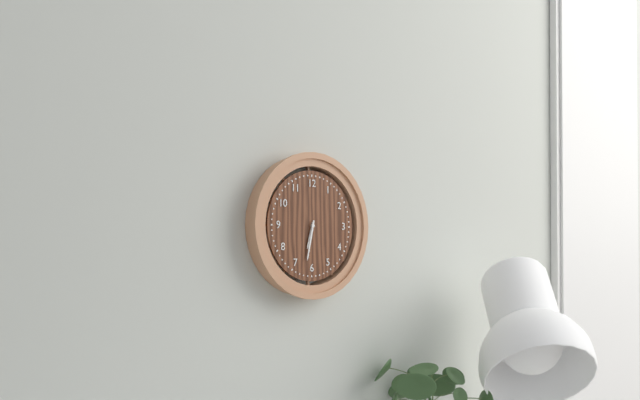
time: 6:32
